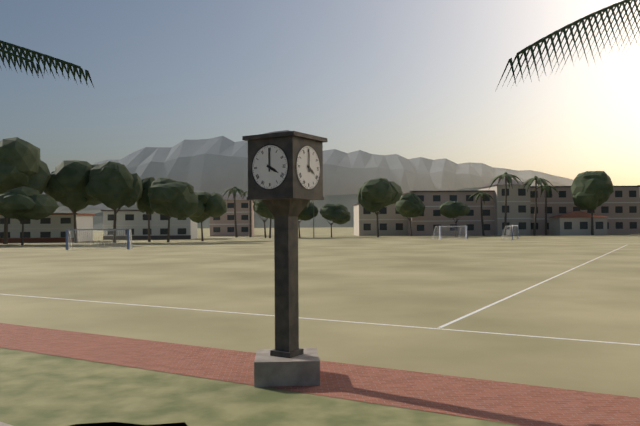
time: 4:00
